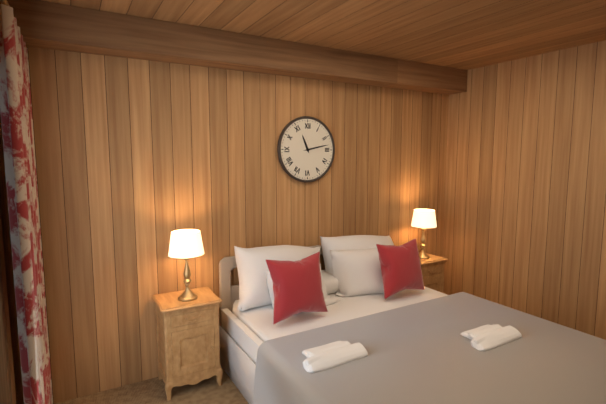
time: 11:13
